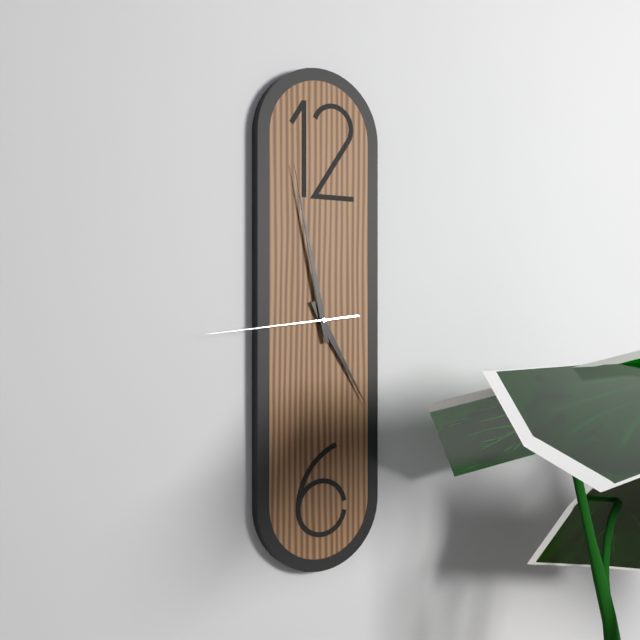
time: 4:58:44
